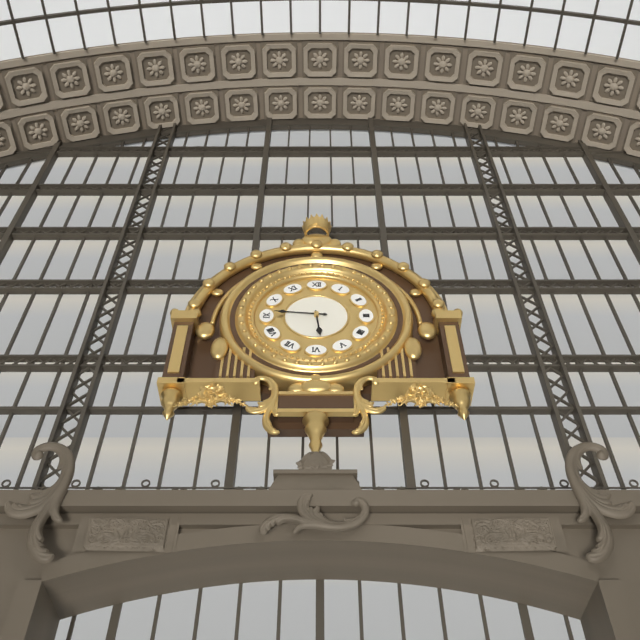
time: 5:46
